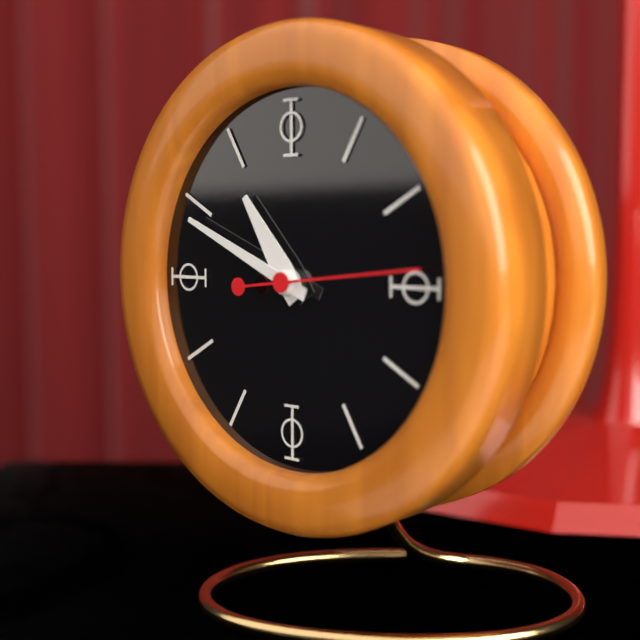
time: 10:49:14
